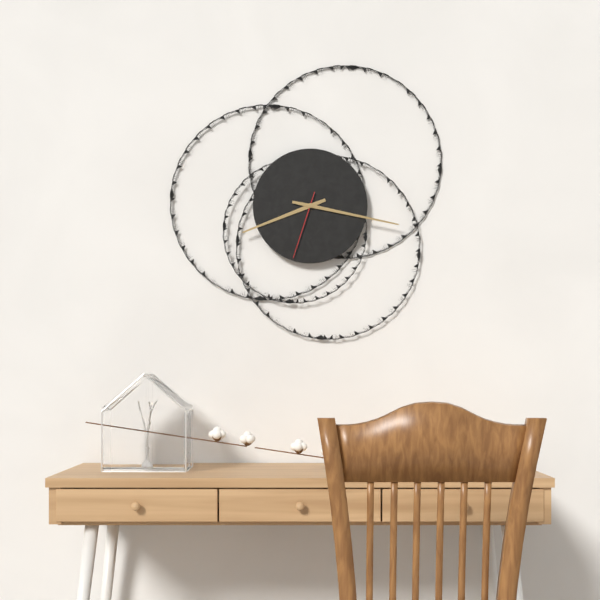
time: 8:17:33
